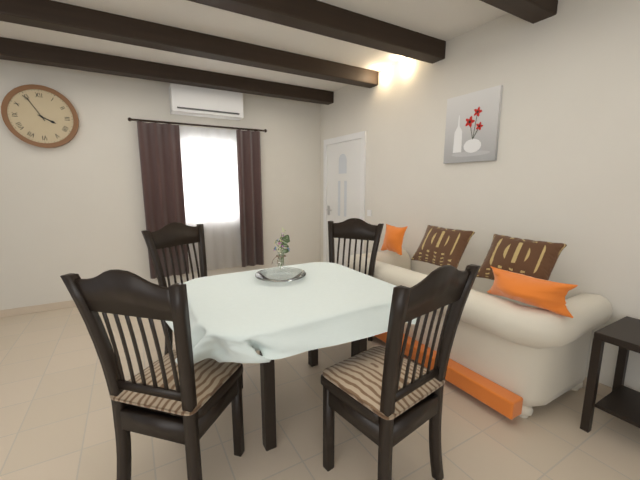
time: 3:55
